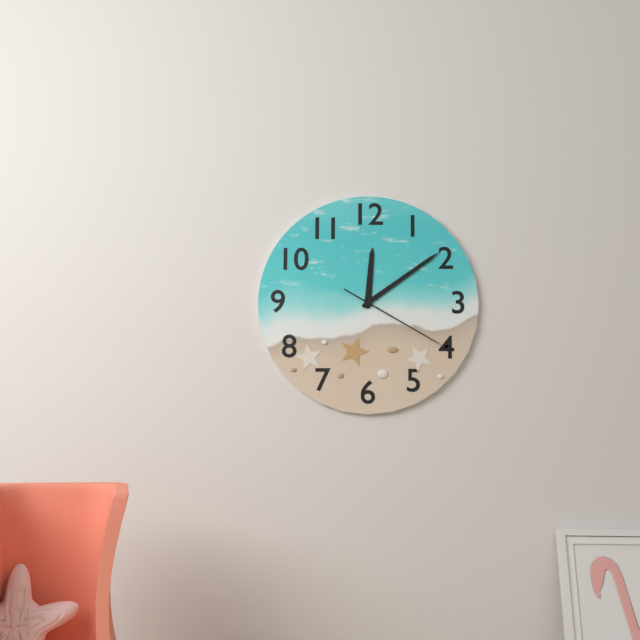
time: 12:09:20
